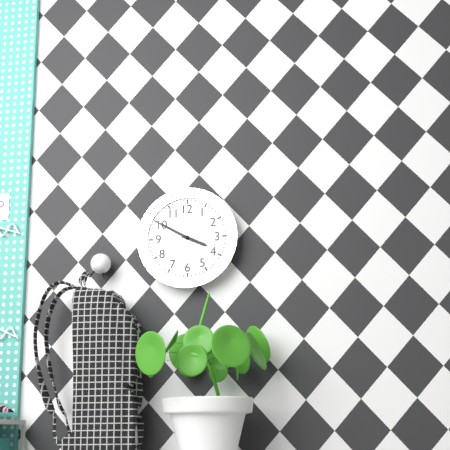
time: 3:50
